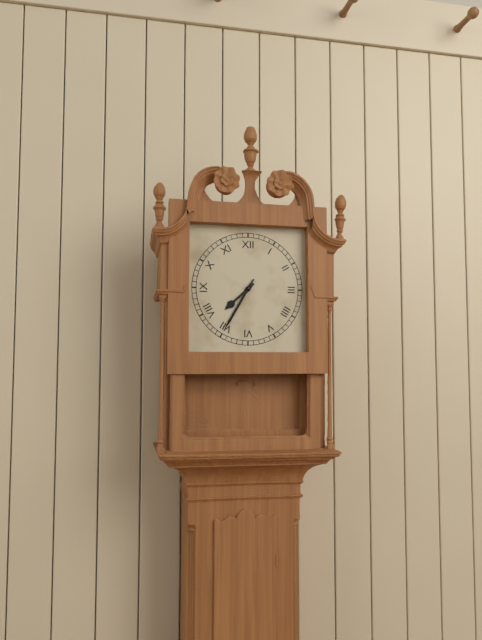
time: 7:35
